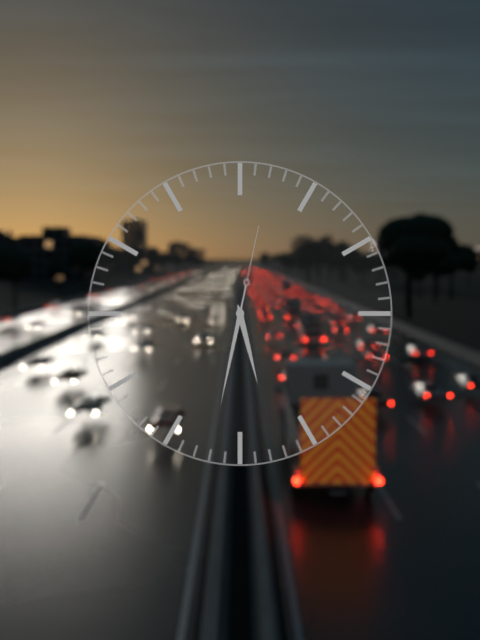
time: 5:32:02
